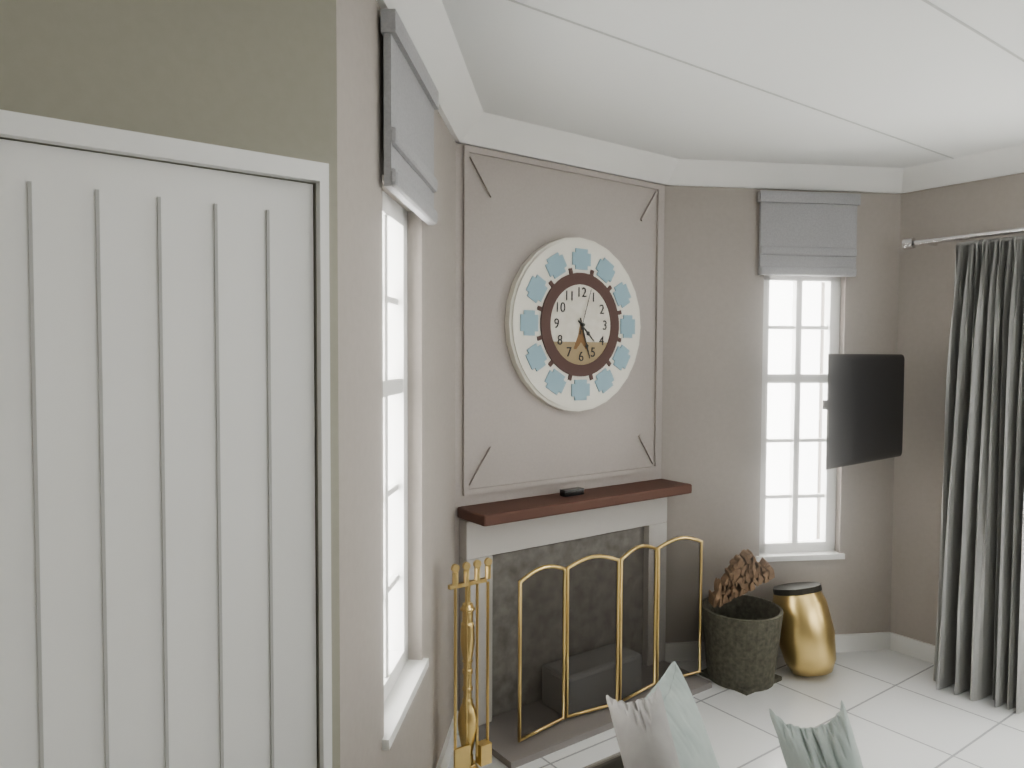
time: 4:27
